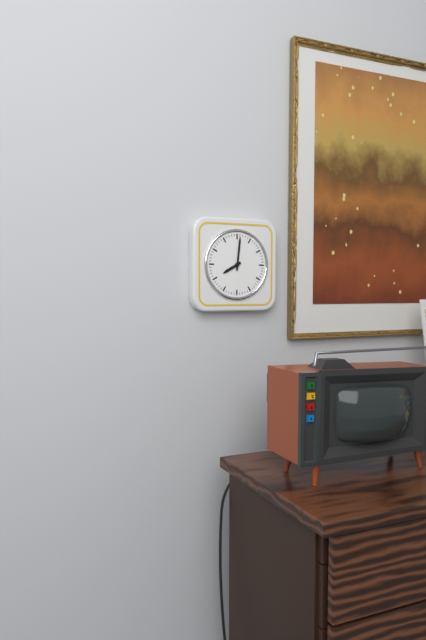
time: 8:01
